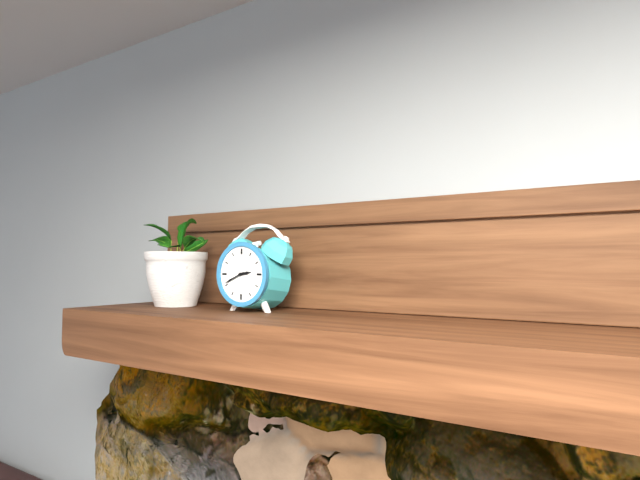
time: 2:41
